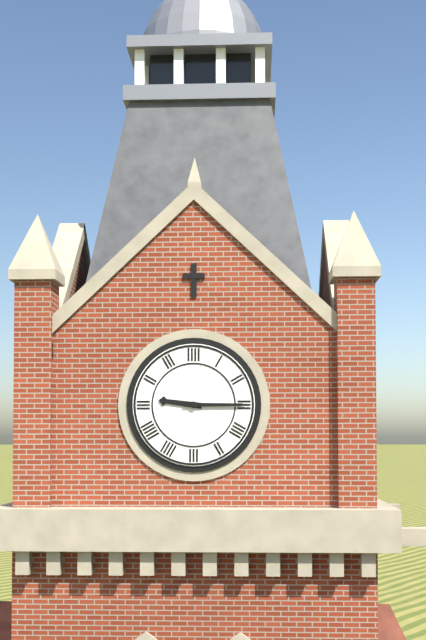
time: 9:15
